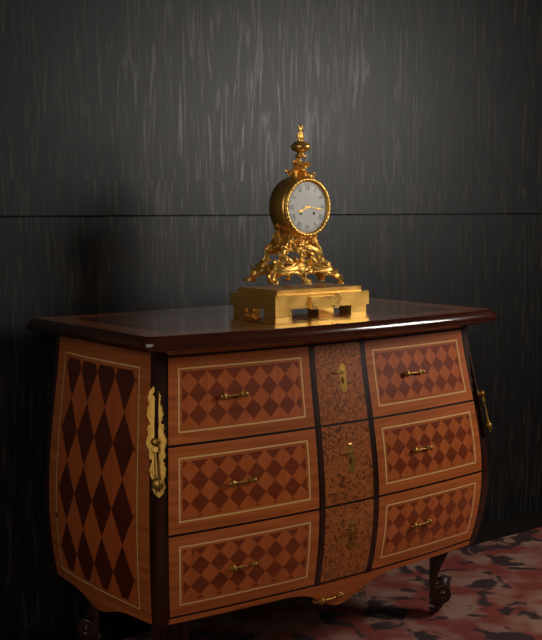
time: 8:16
